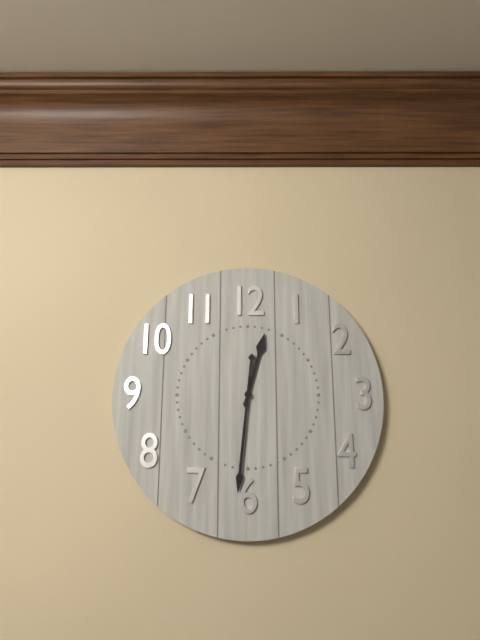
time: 12:31
